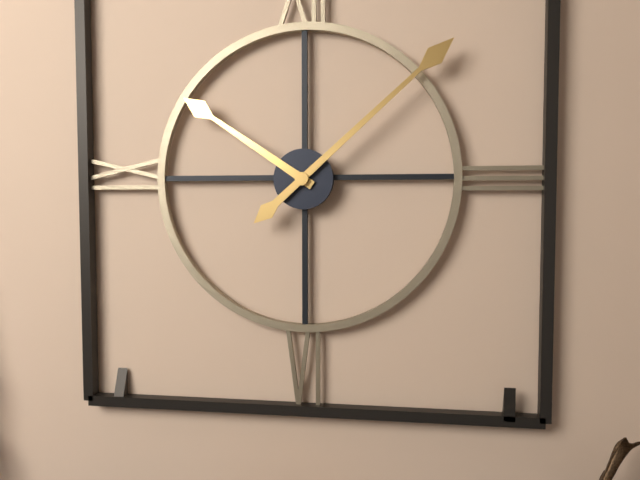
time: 10:08
